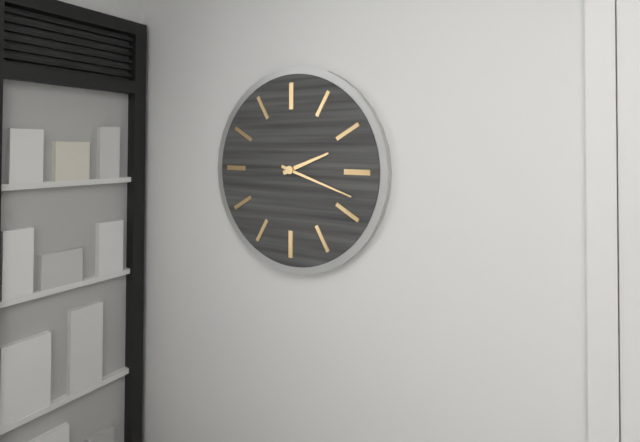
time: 2:18
